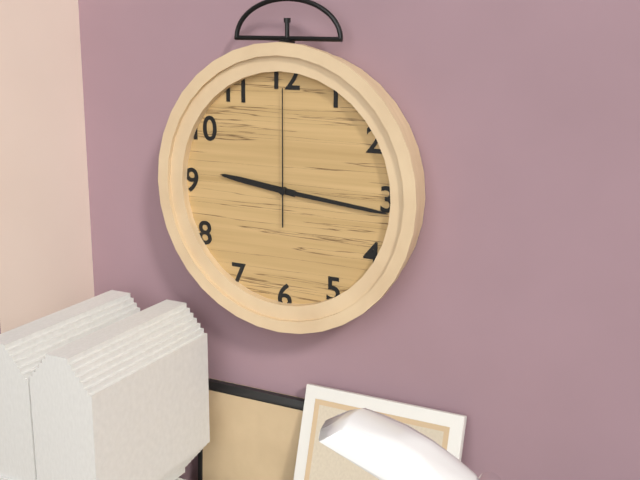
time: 9:16:00
